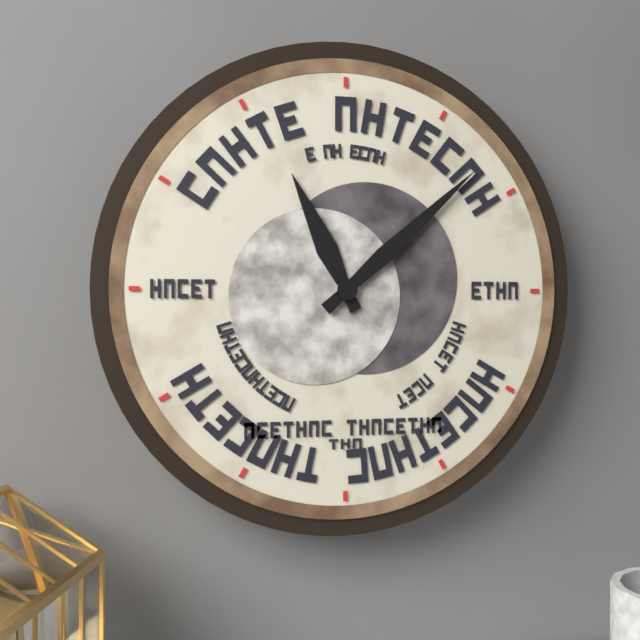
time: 11:08
